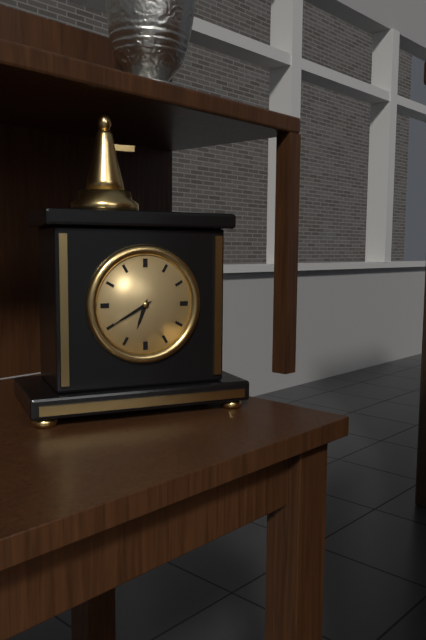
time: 6:40
